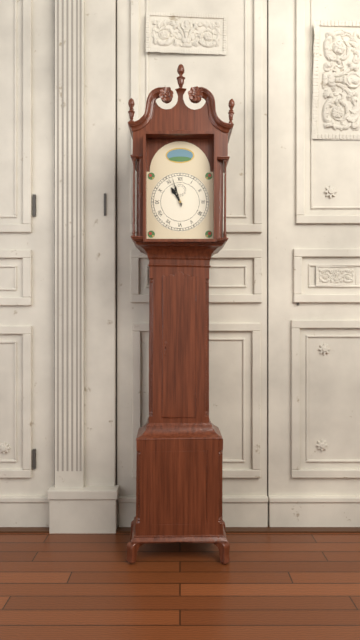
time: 10:57
